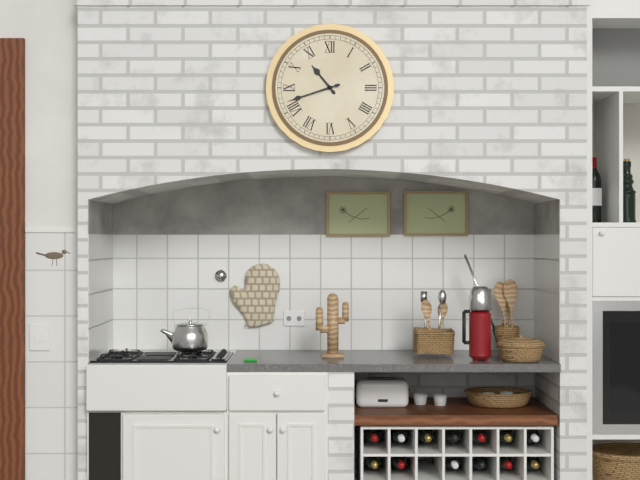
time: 10:42
